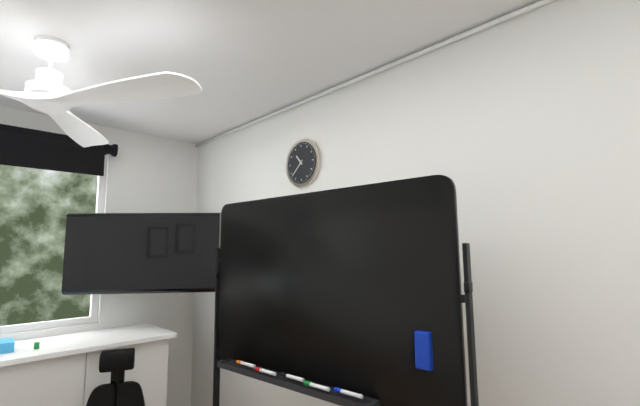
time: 10:38
